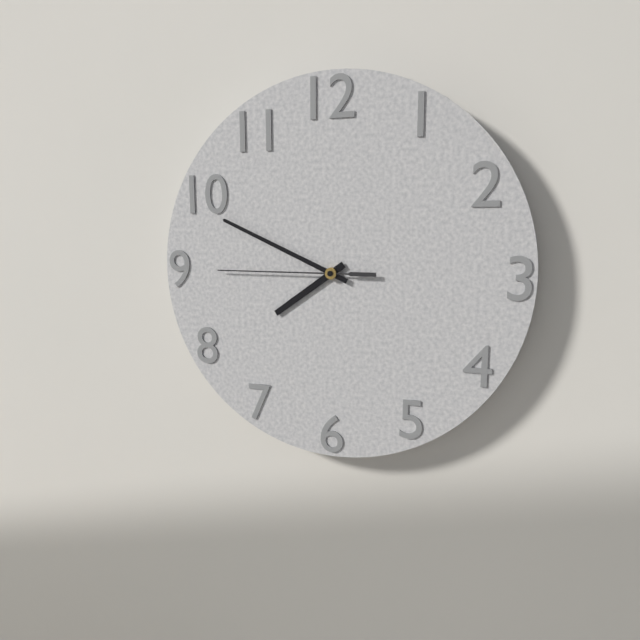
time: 7:49:45
